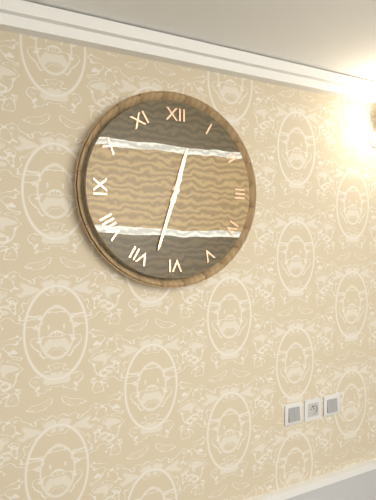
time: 12:33
